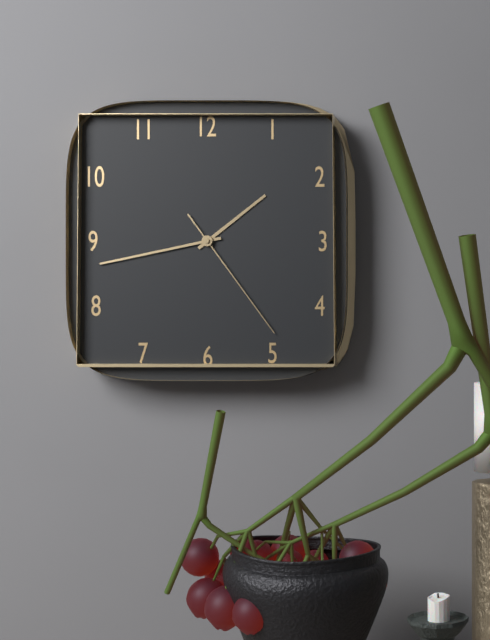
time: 1:43:24
